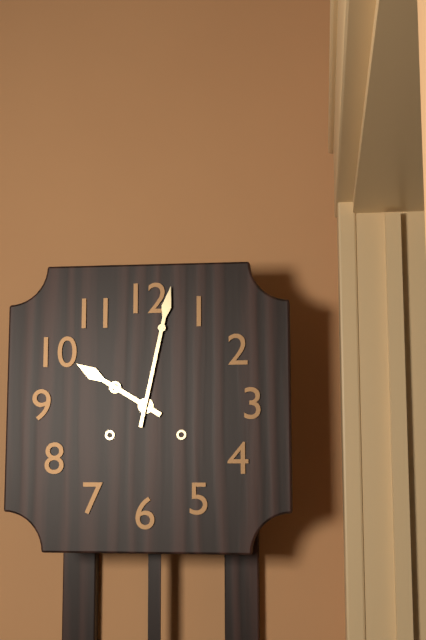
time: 10:02
